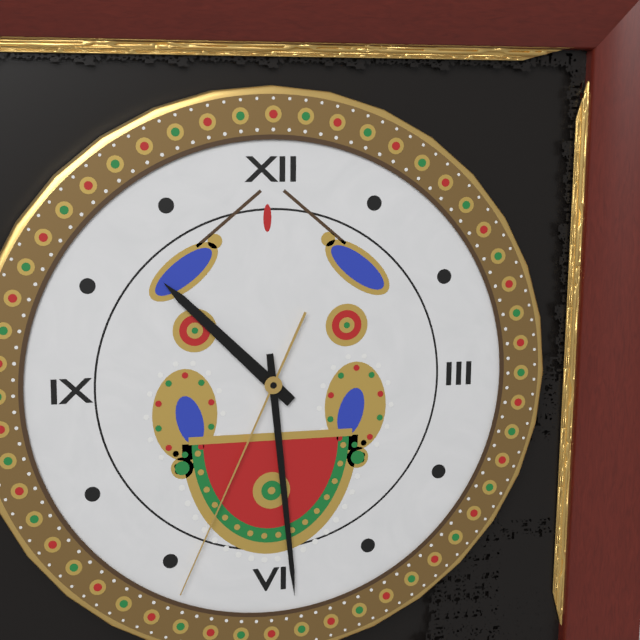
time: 10:29:34
